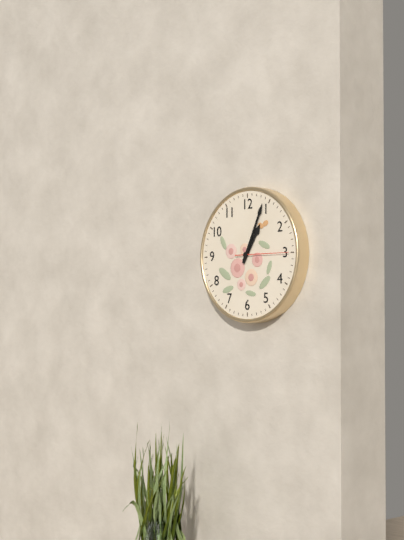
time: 1:04:15
